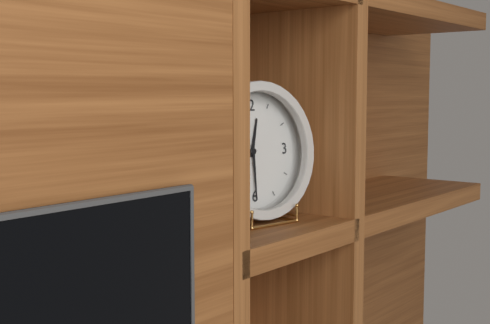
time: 12:30
